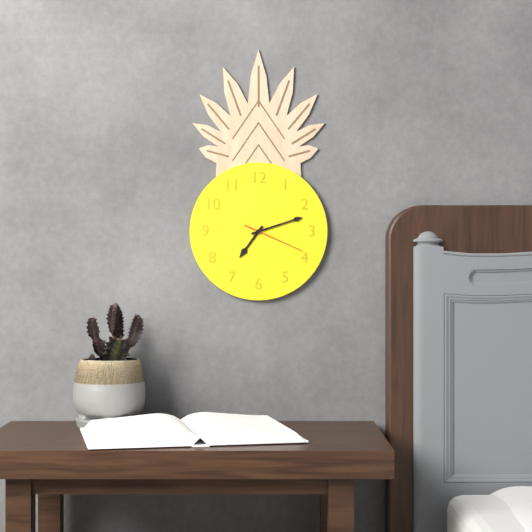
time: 7:12:19
